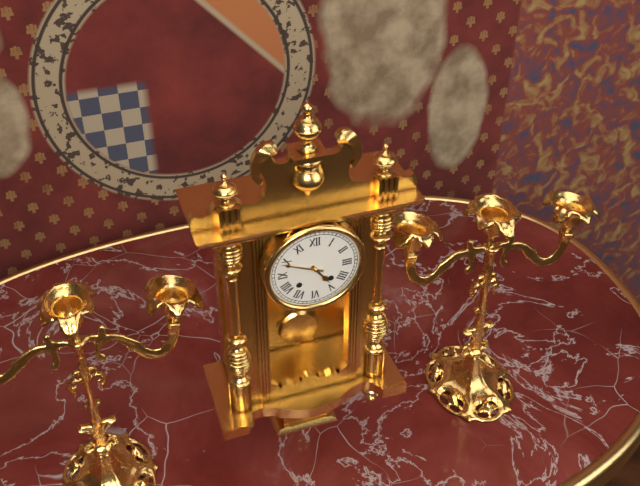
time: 4:49
